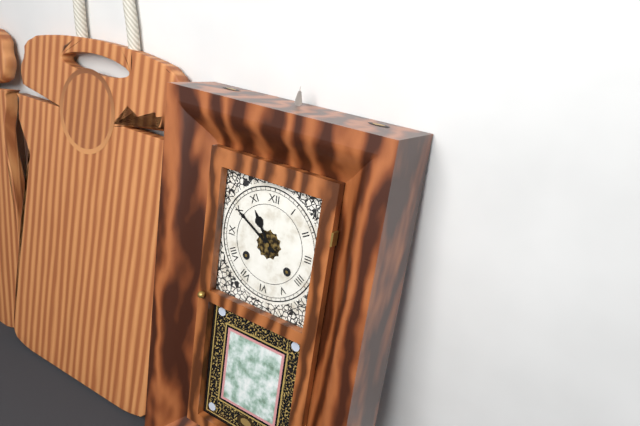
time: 10:50
